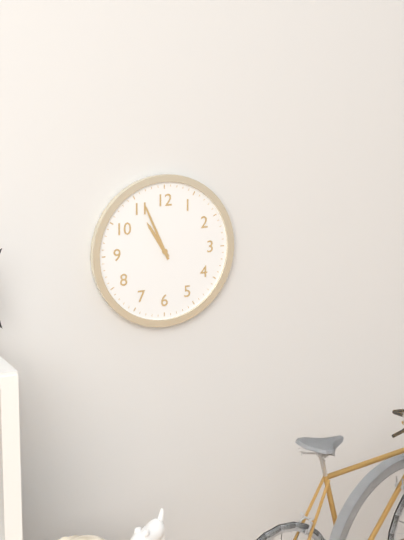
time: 10:56
